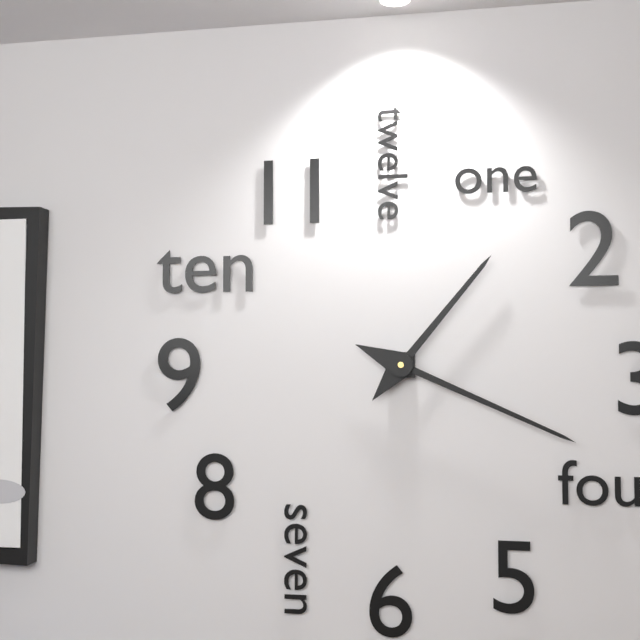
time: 1:19
